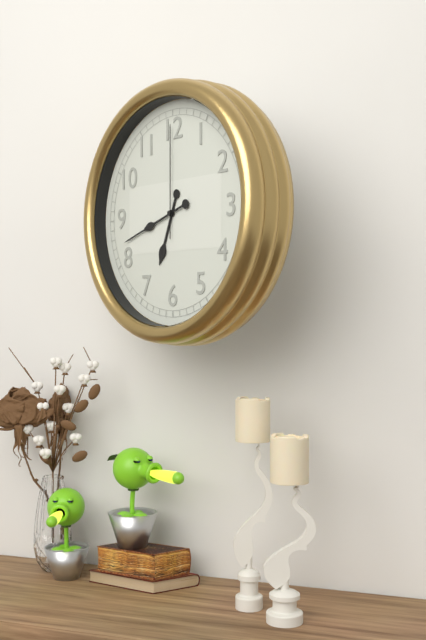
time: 6:42:00
